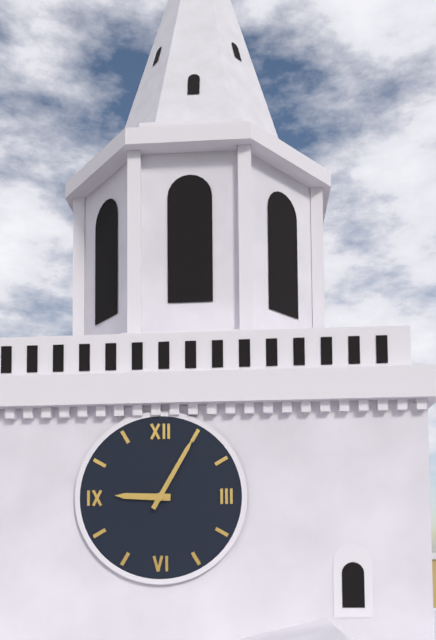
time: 9:05
